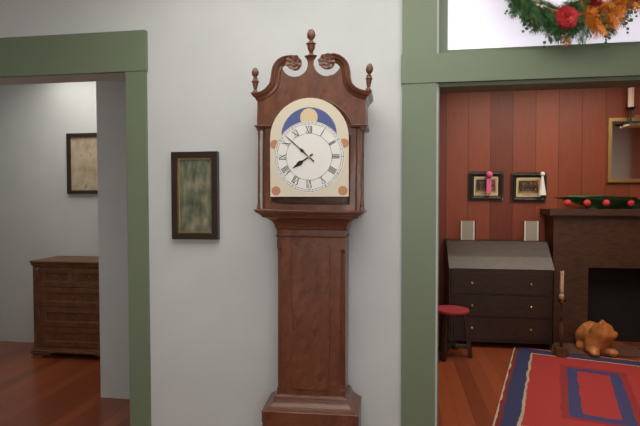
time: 7:52
